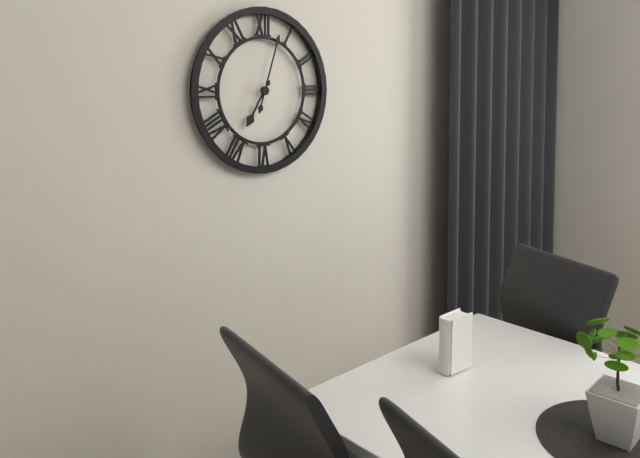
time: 7:03
